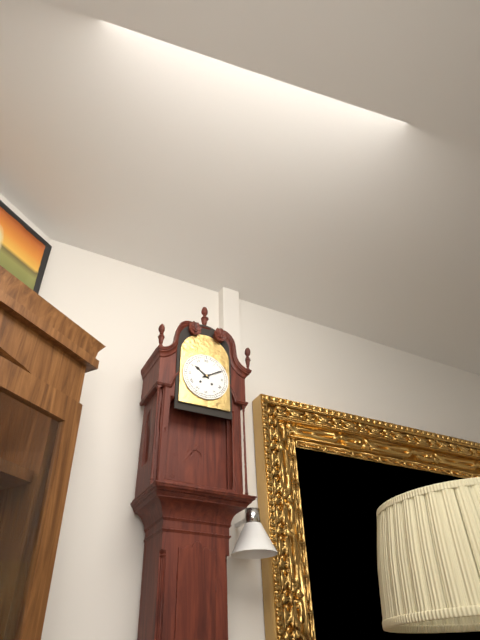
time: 10:10
